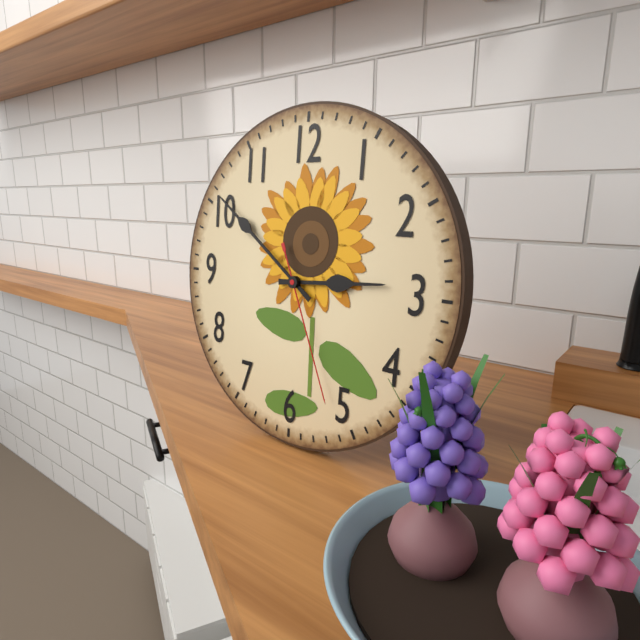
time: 2:51:26
